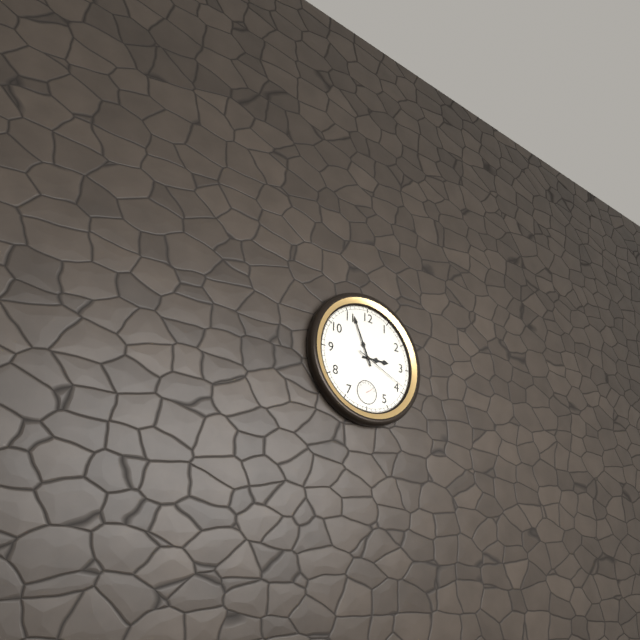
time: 2:56:19
